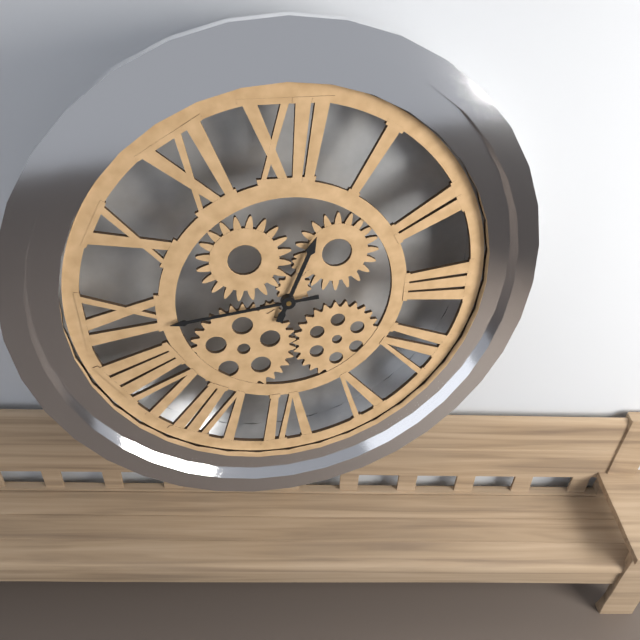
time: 12:44
